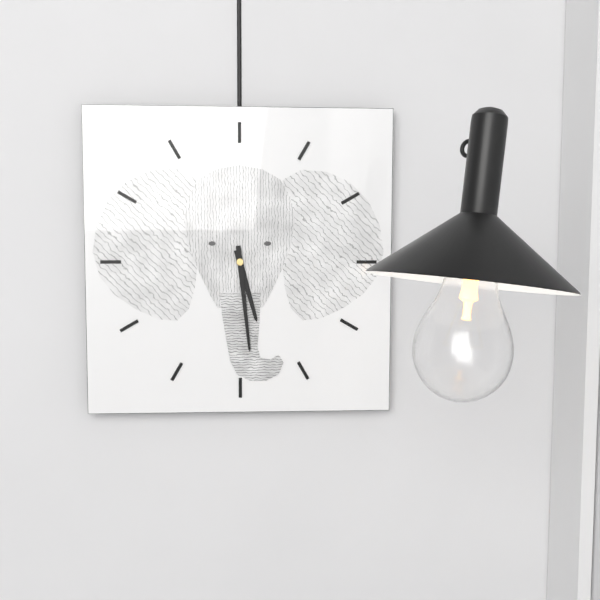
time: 5:29
